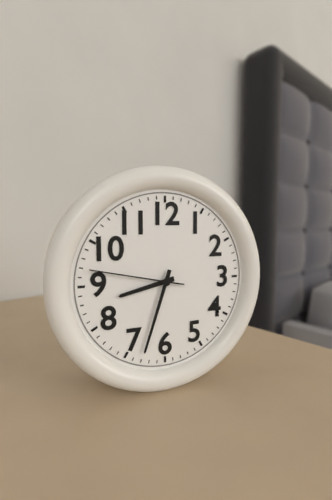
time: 8:33:47
